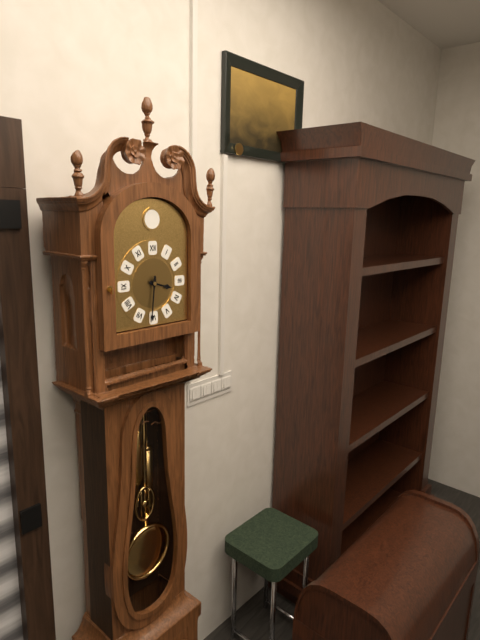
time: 3:31
